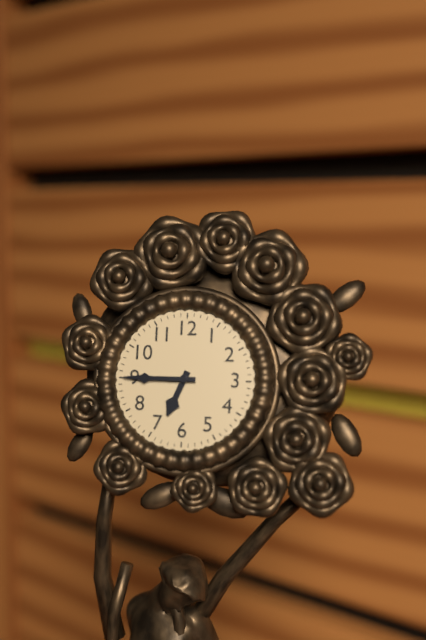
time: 6:45
